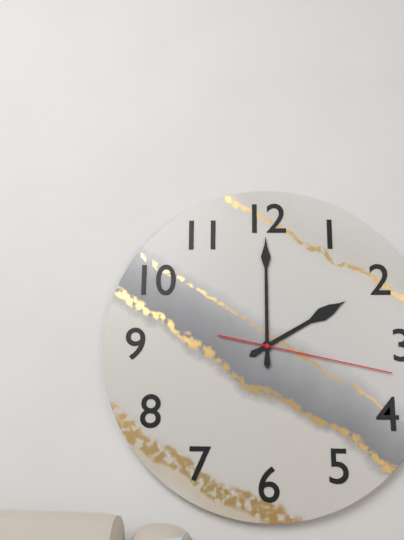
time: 2:00:17
